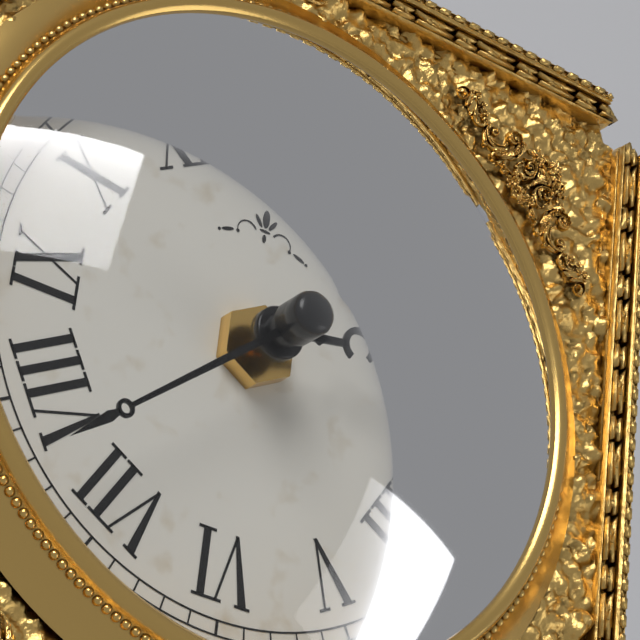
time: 2:38
